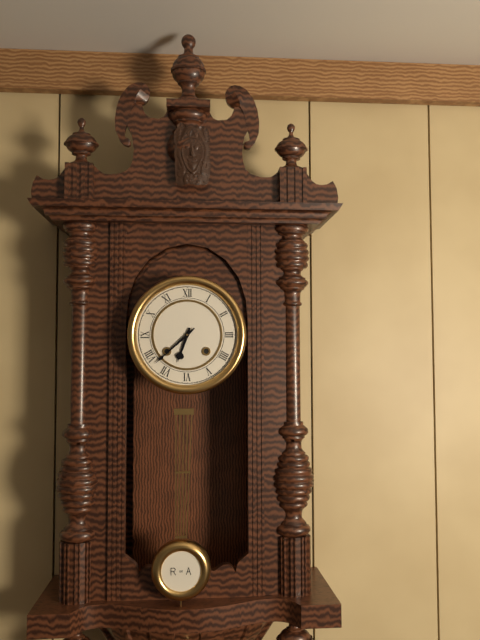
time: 6:38
